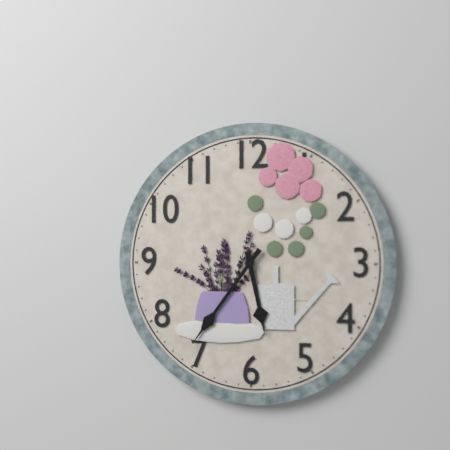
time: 5:36
